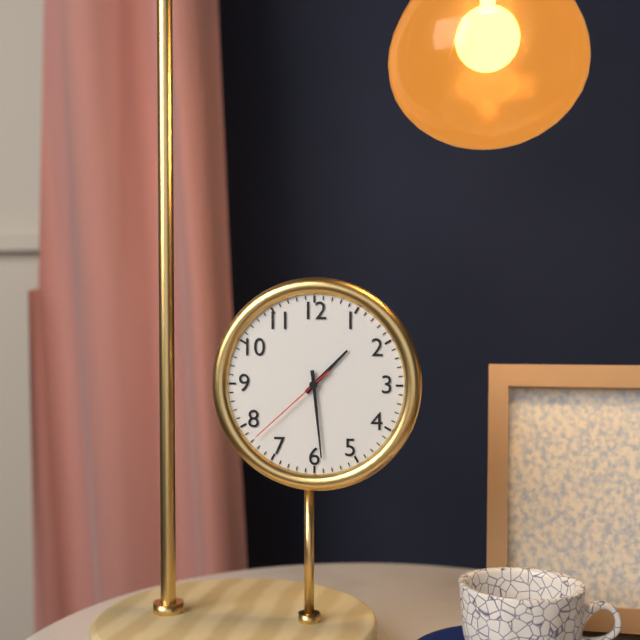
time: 1:29:38
